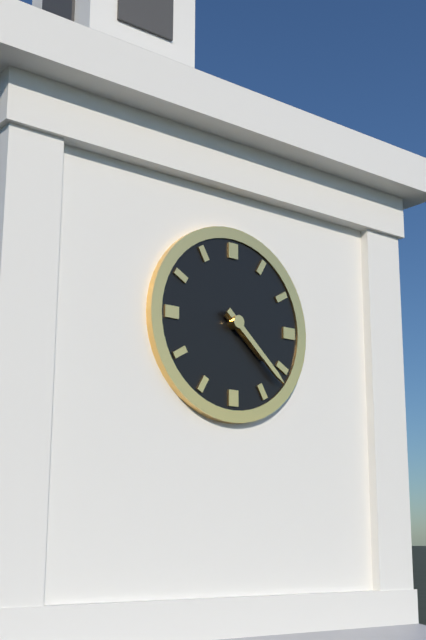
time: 4:22
